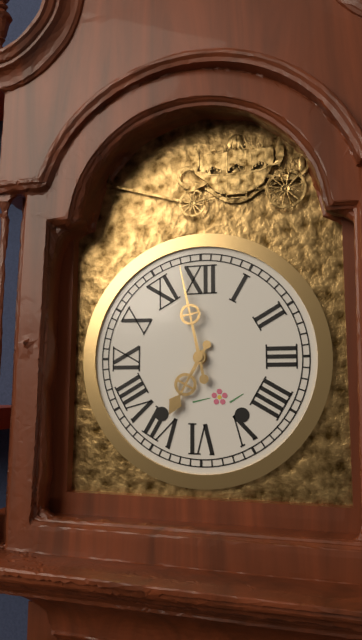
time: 6:58
